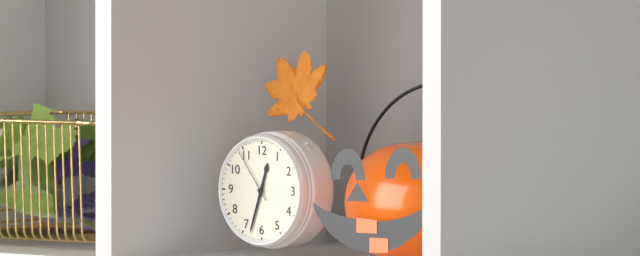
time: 12:33:54
